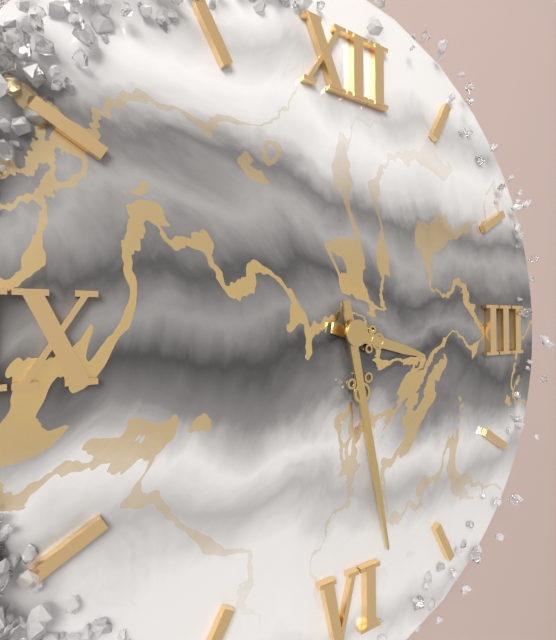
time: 3:28
